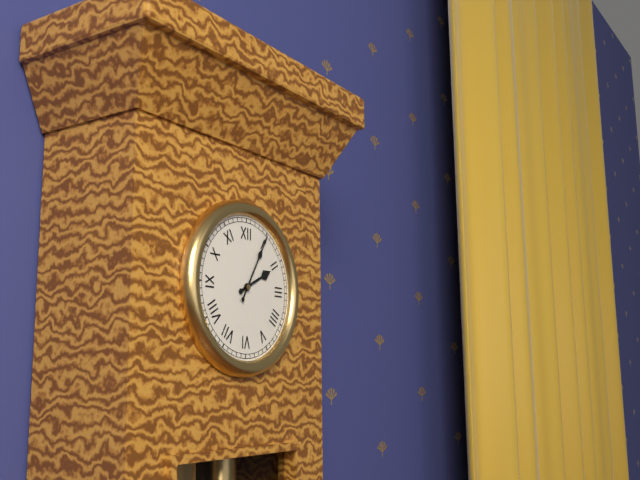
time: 2:05
